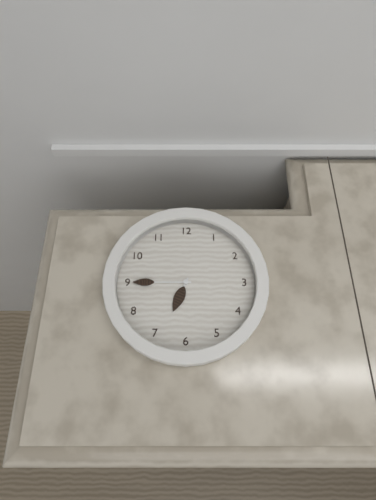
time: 6:45
